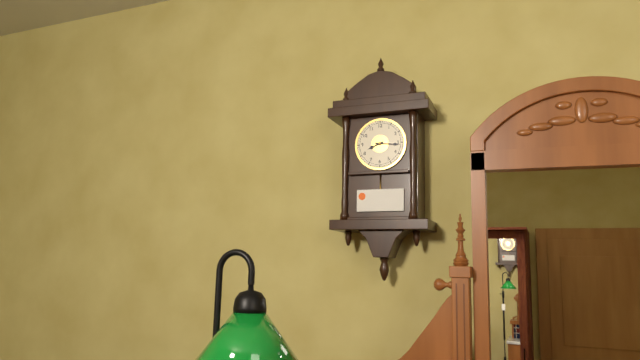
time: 8:16
